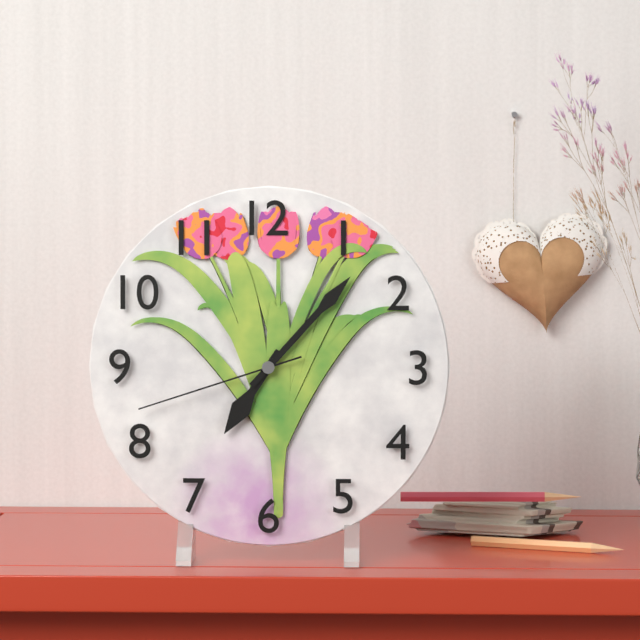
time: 7:07:42
